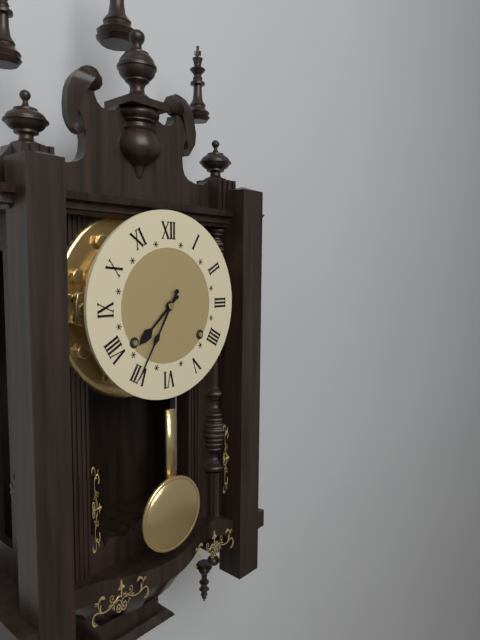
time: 7:35
